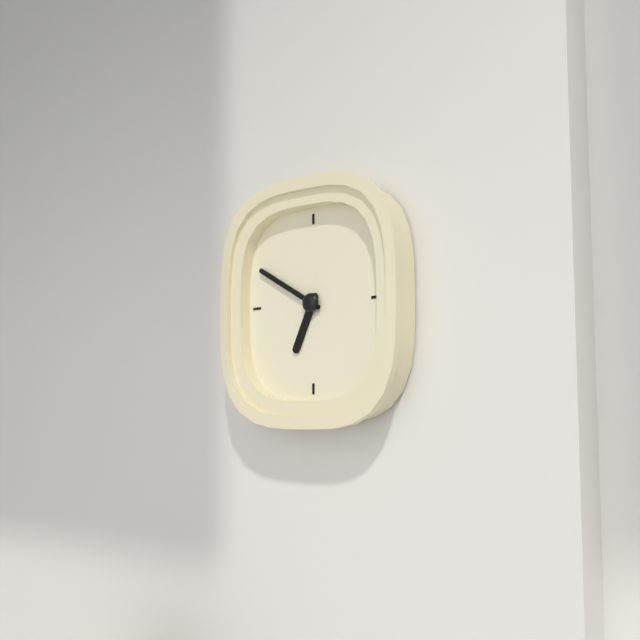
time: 6:50
